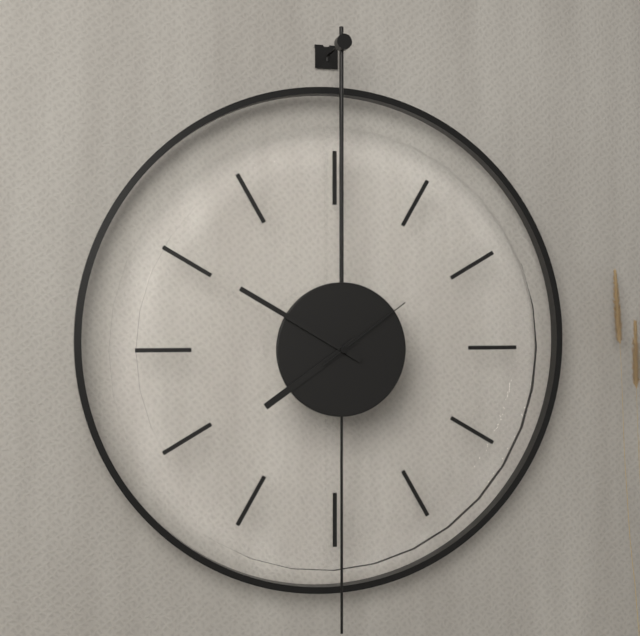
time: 7:50:09
